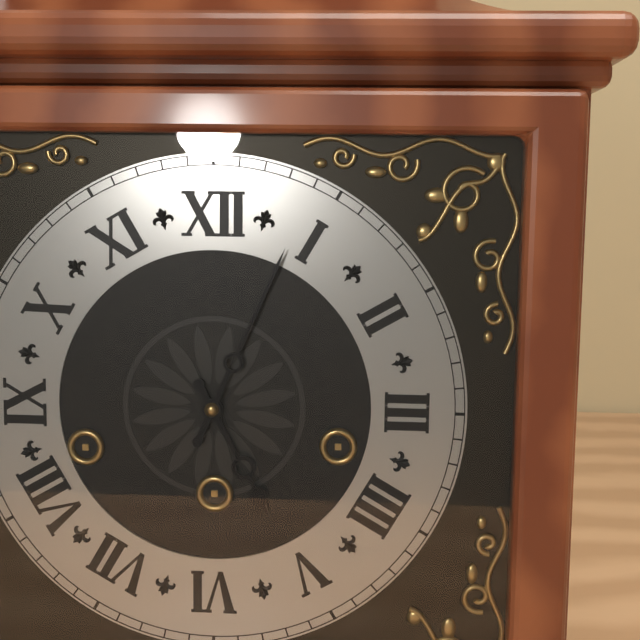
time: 5:04
